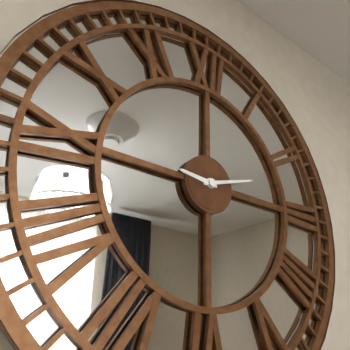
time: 9:12
